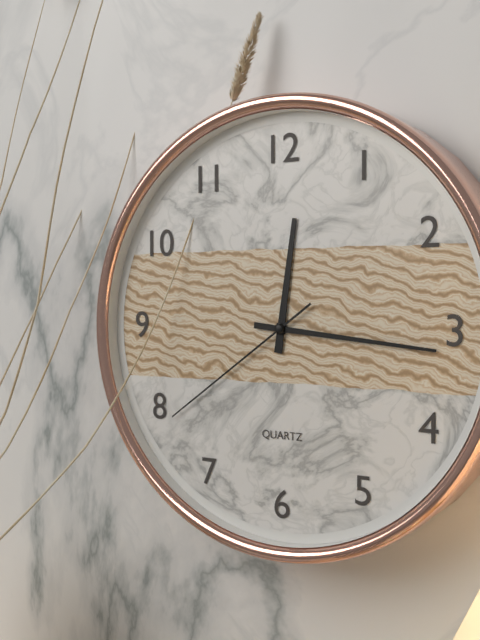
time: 12:16:39
